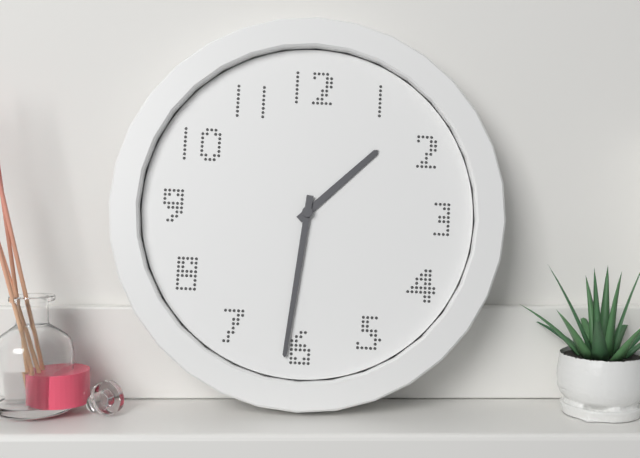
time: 1:31
